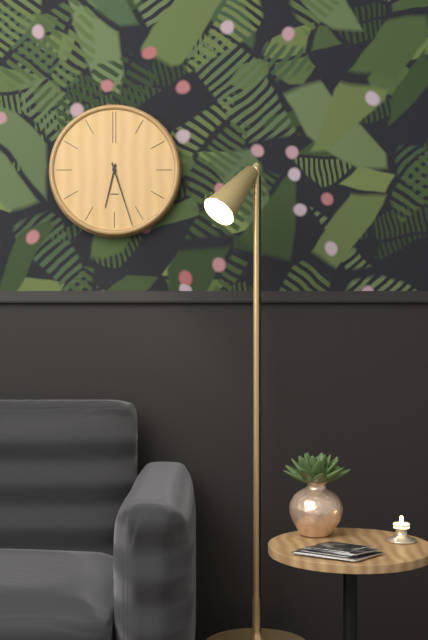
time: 6:27
